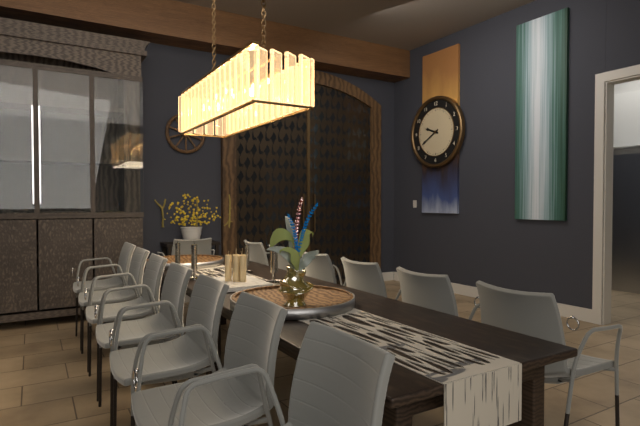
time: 9:40
